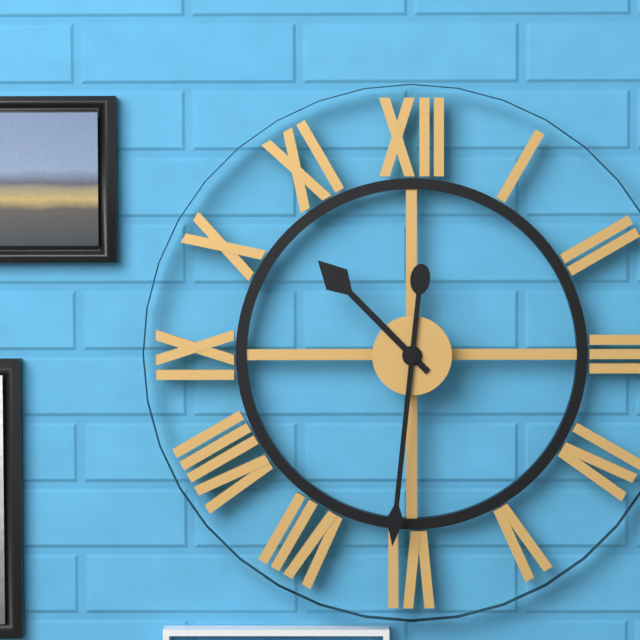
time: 10:31
